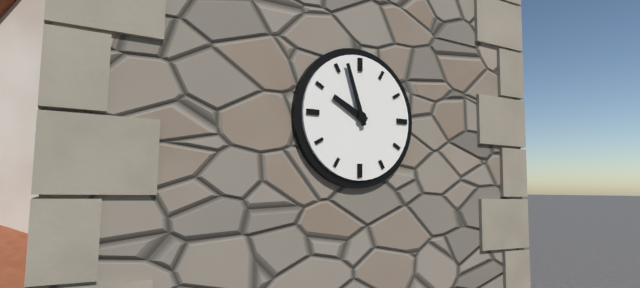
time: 9:57
